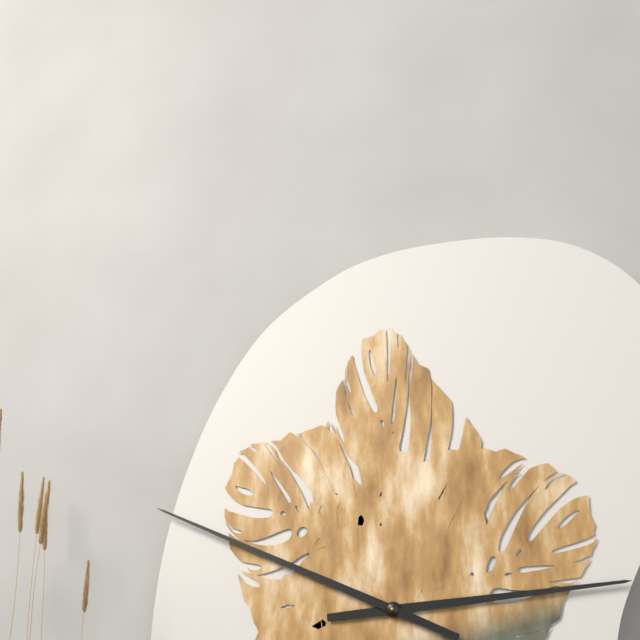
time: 2:49
